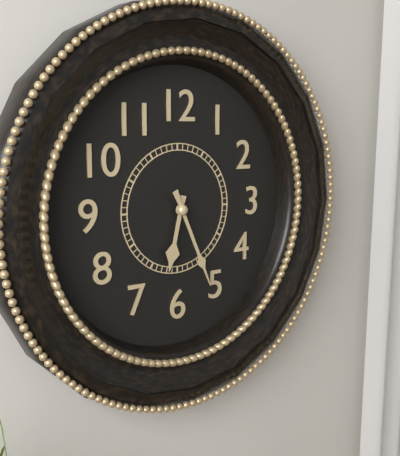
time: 6:26
